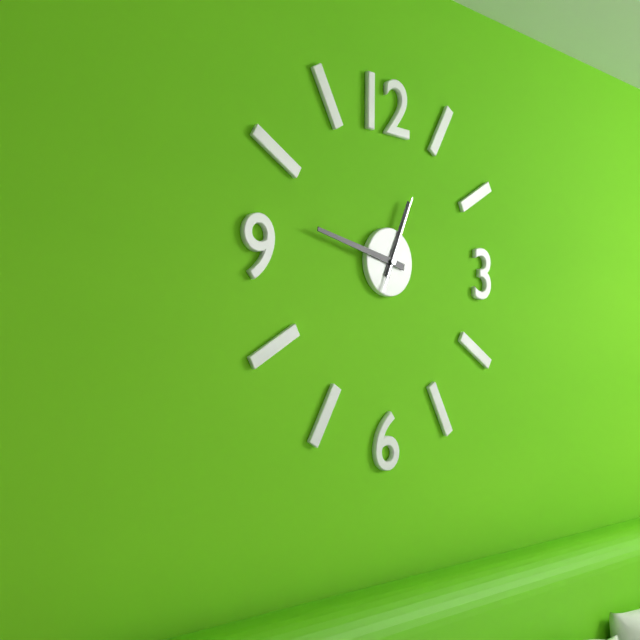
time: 12:47:04
